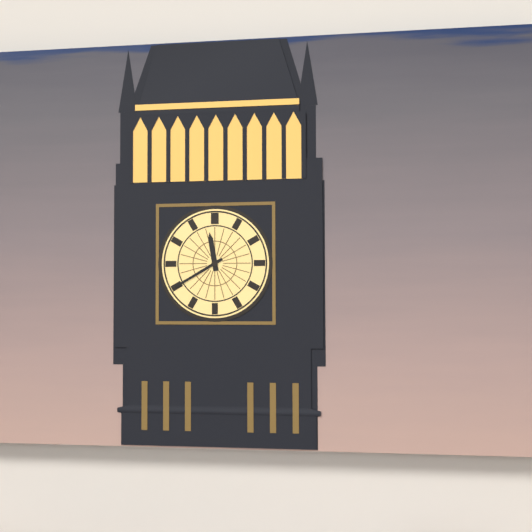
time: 11:40
